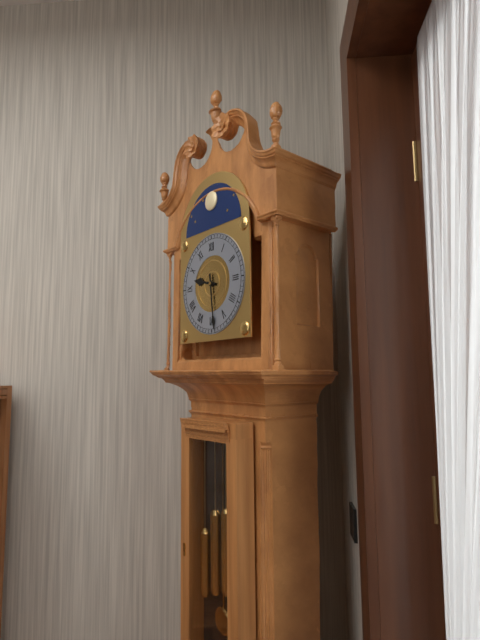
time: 9:29
